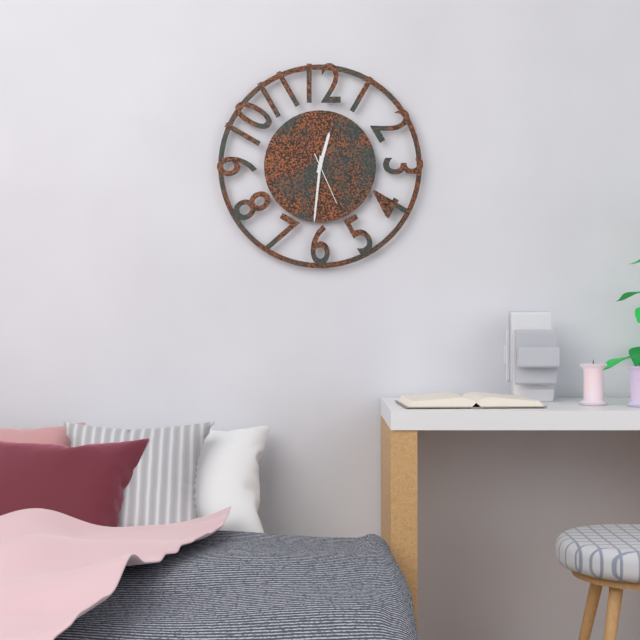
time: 12:31:26
